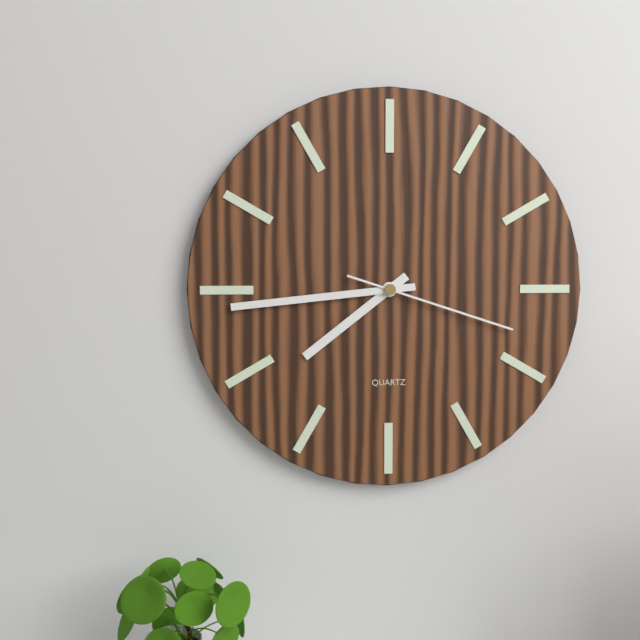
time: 7:44:18
